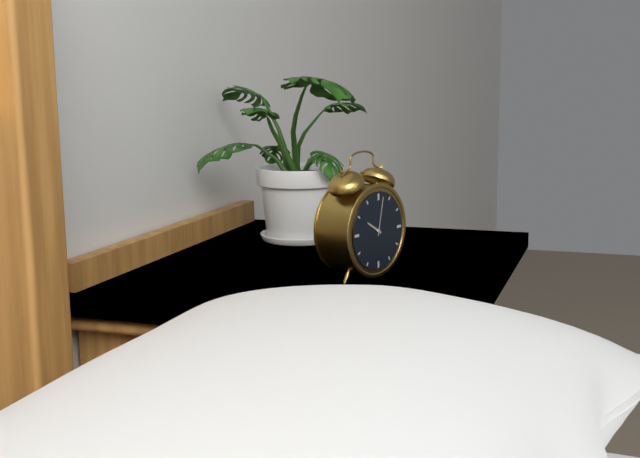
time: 10:02
